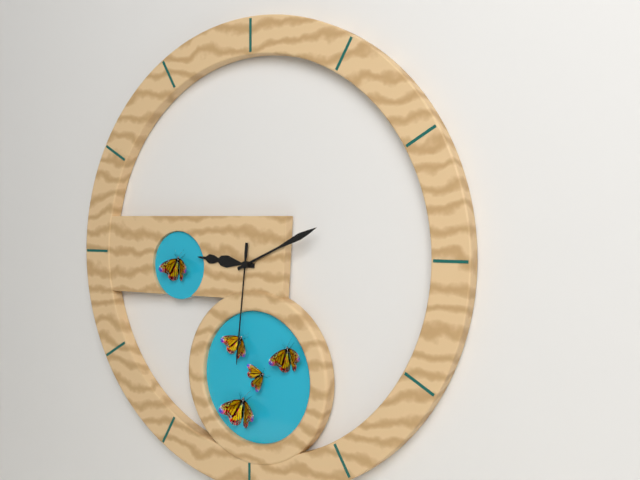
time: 9:11:31
